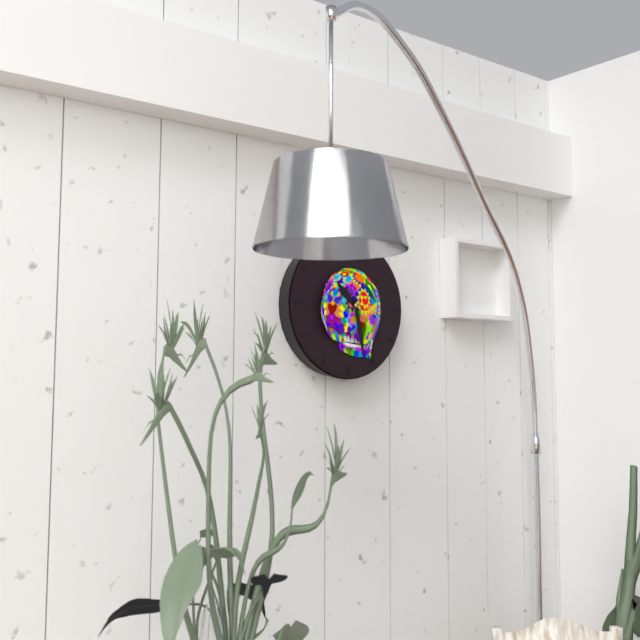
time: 10:28
